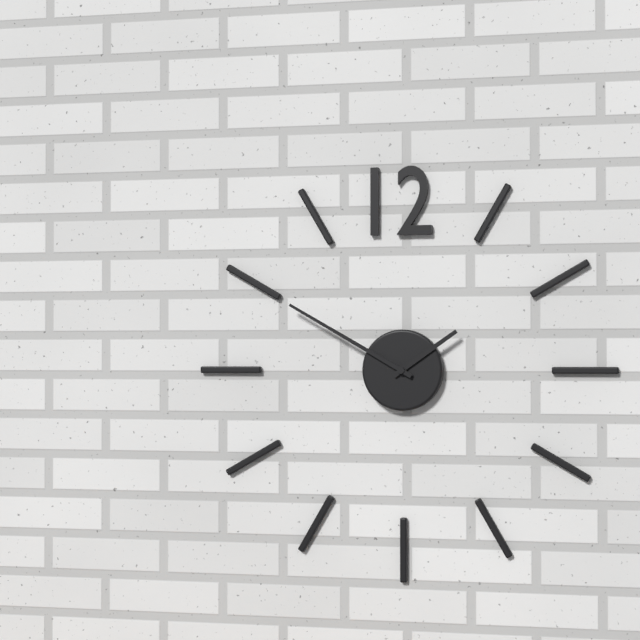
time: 1:50
